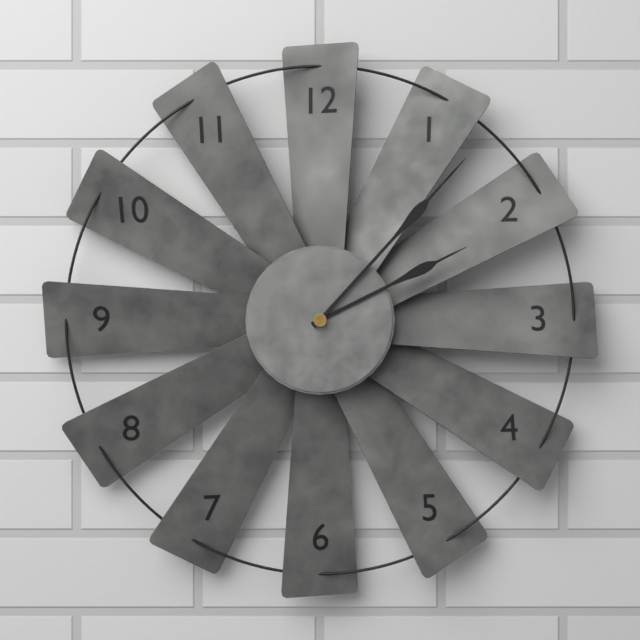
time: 2:07
